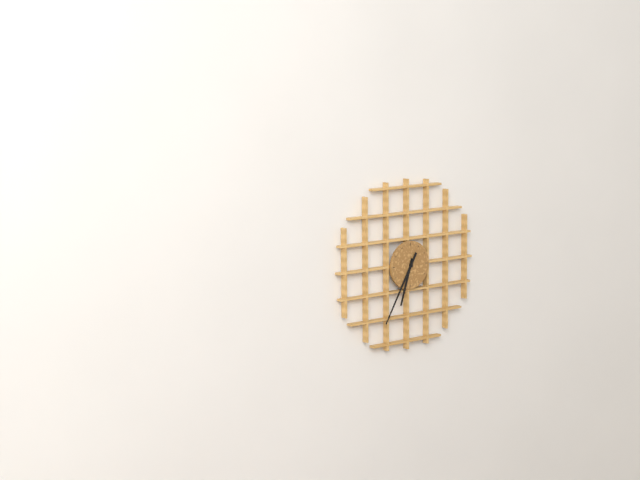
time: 6:35
